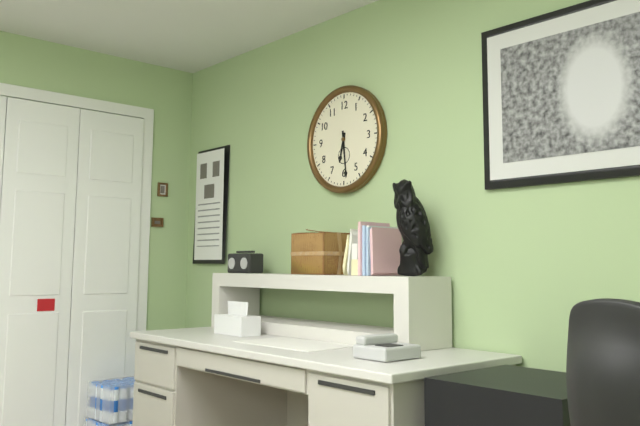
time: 6:29
